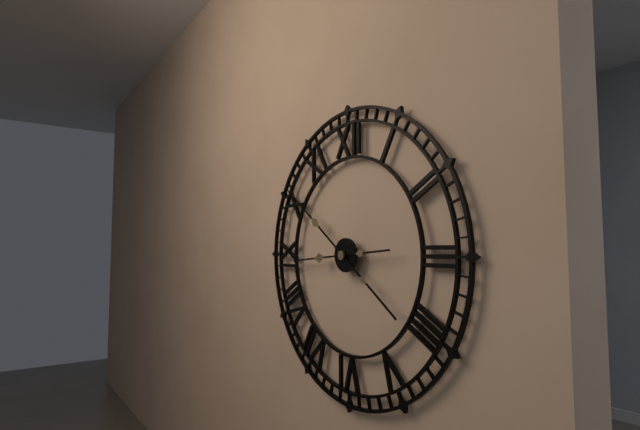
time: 8:51
